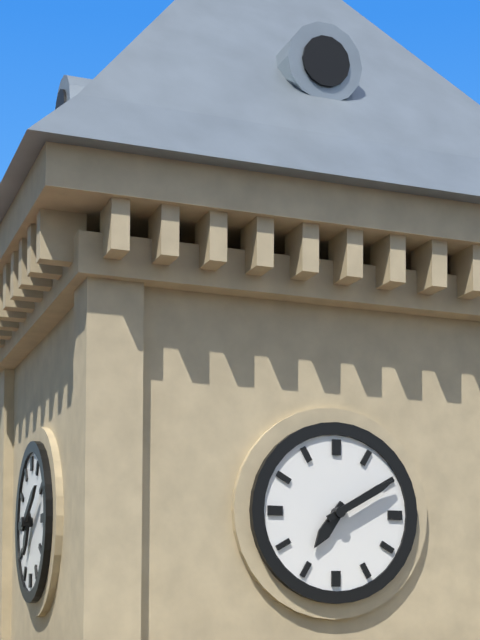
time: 7:10
